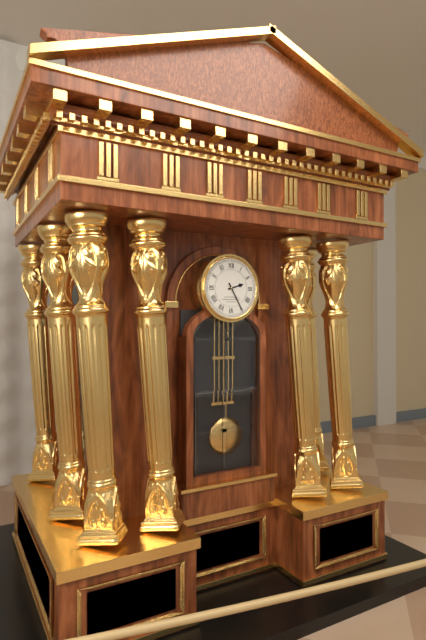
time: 2:25
